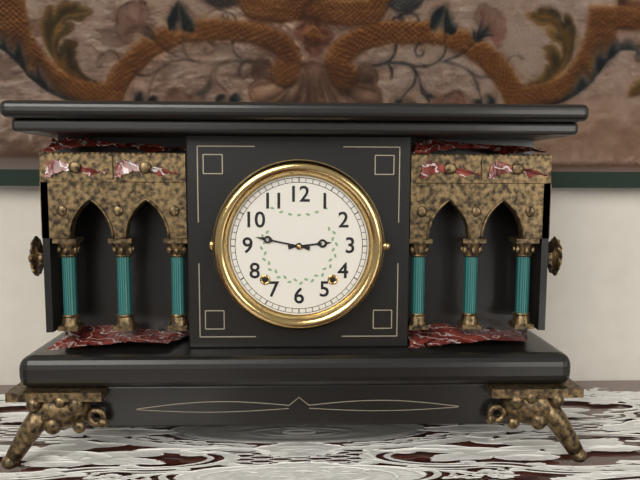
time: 2:47
